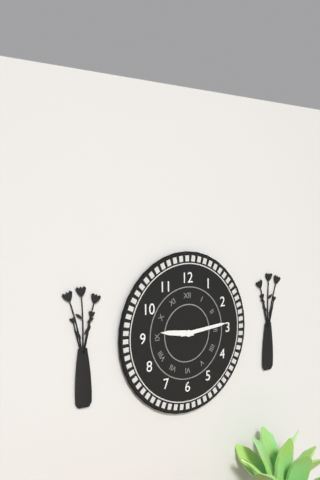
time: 9:14
